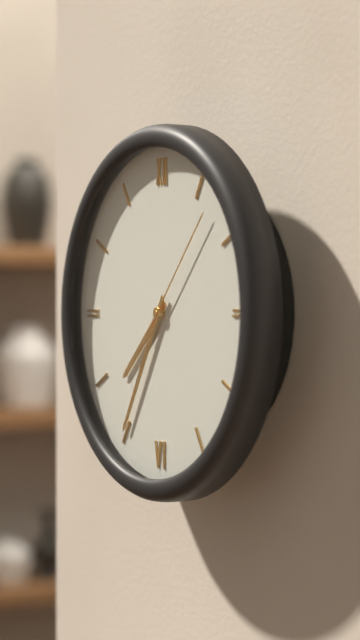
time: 7:35:07
